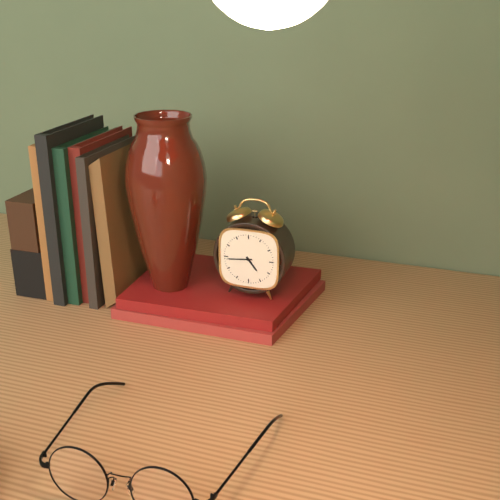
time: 4:44
